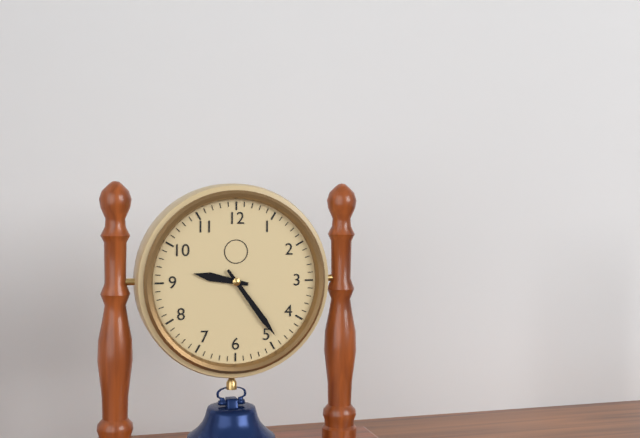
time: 9:24
